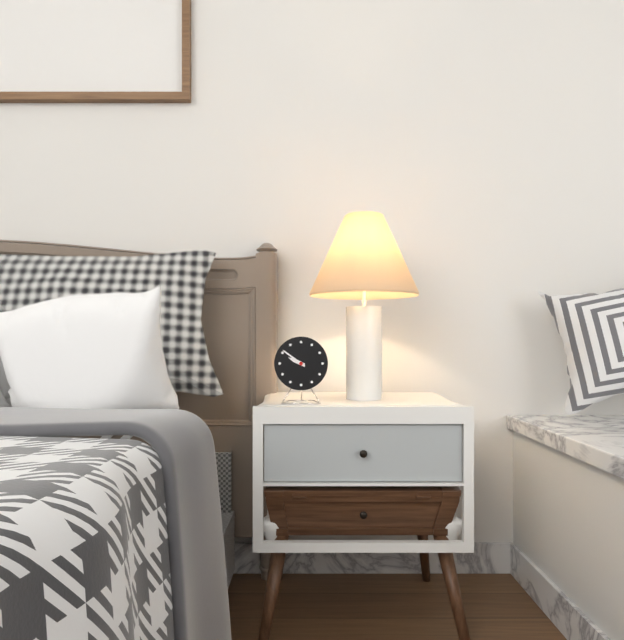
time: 9:51
